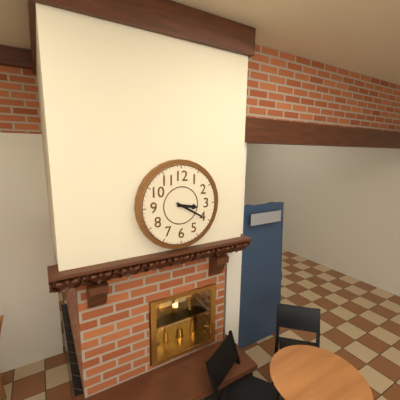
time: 3:20
